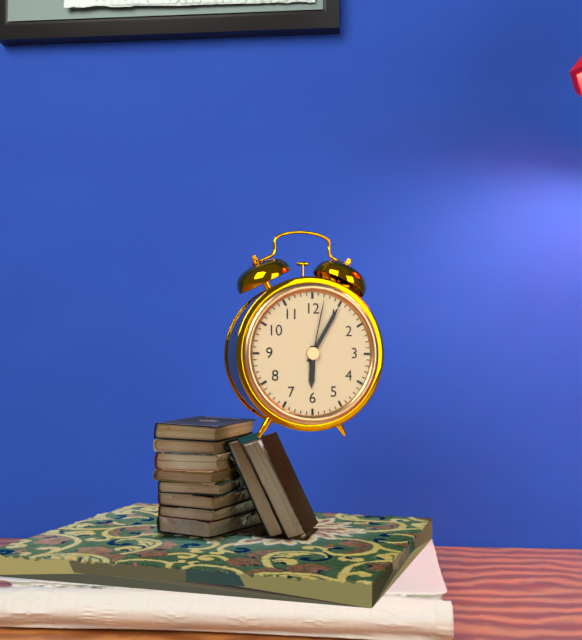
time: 6:05:02
